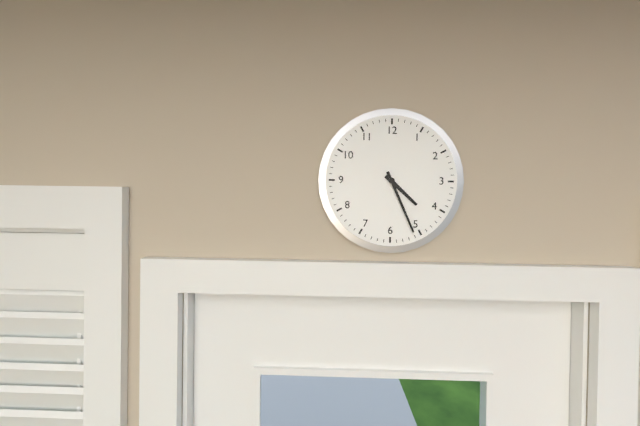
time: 4:26
